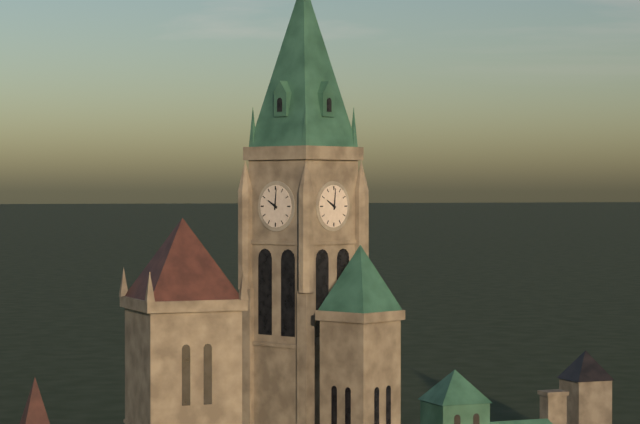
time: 10:01
